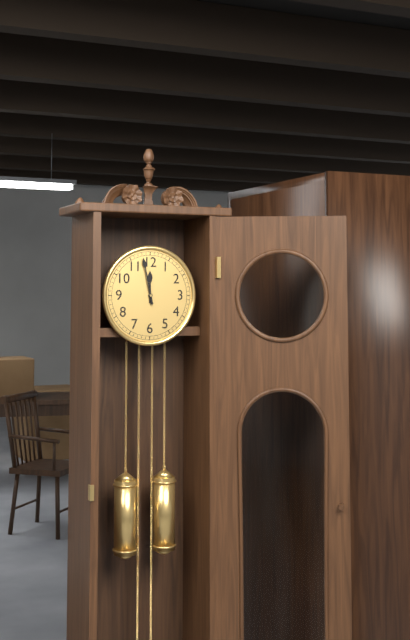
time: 11:58
